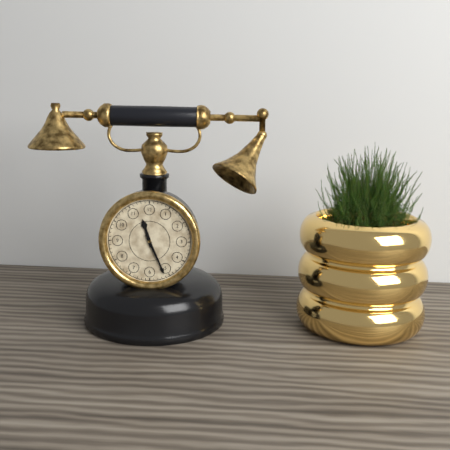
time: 11:26
